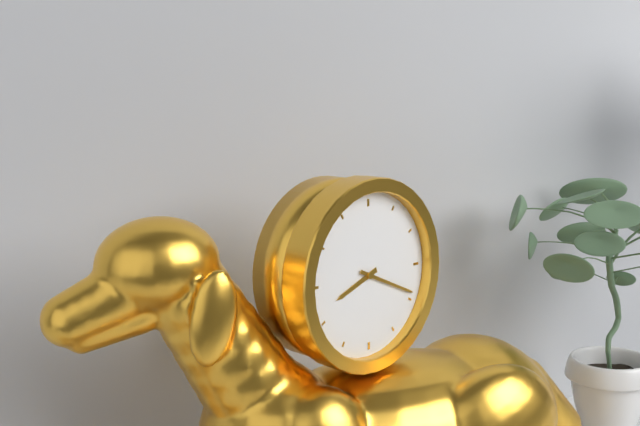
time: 8:19
